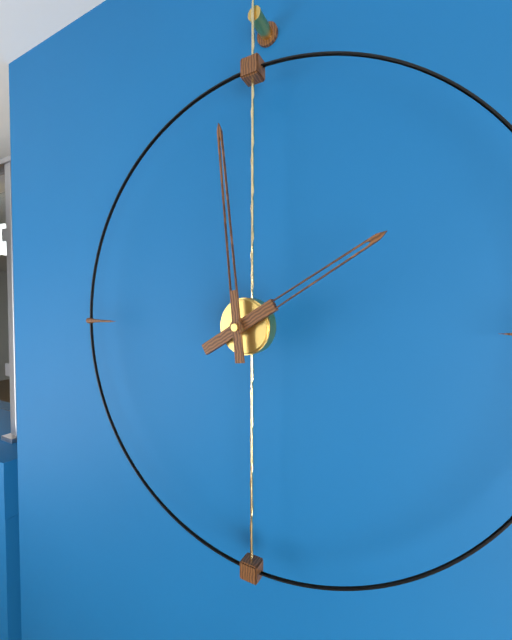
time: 1:59
